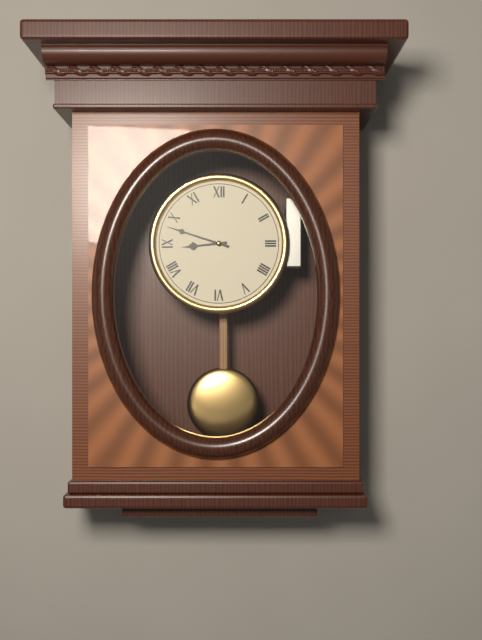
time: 8:48
